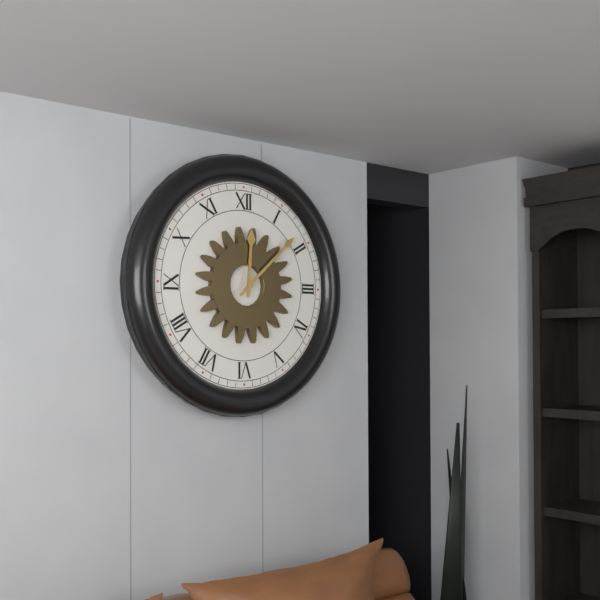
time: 12:08
